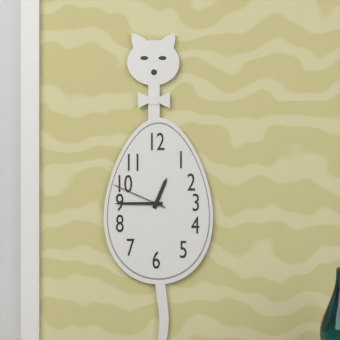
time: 12:45:49
